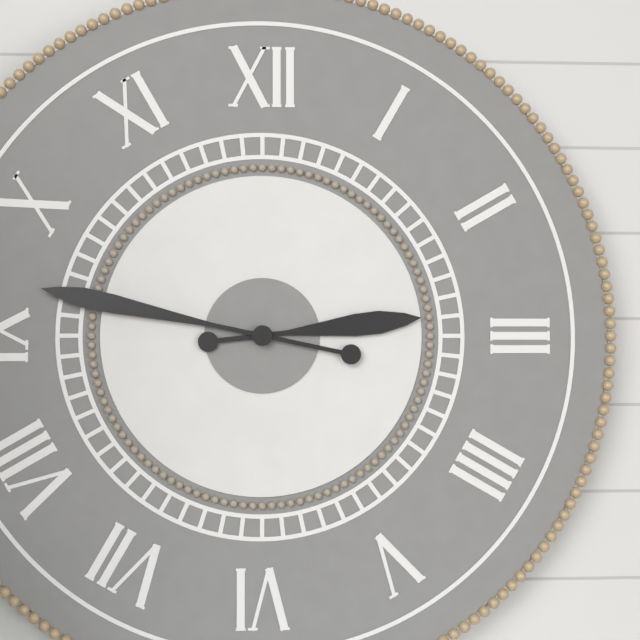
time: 2:47
